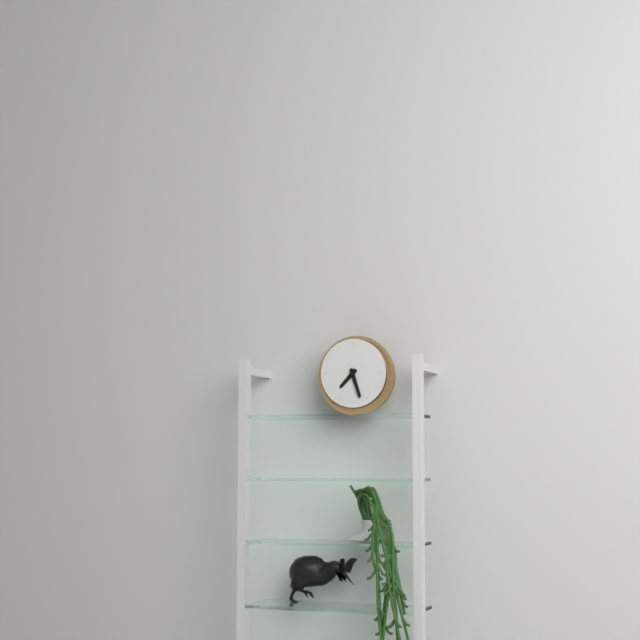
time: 7:27
